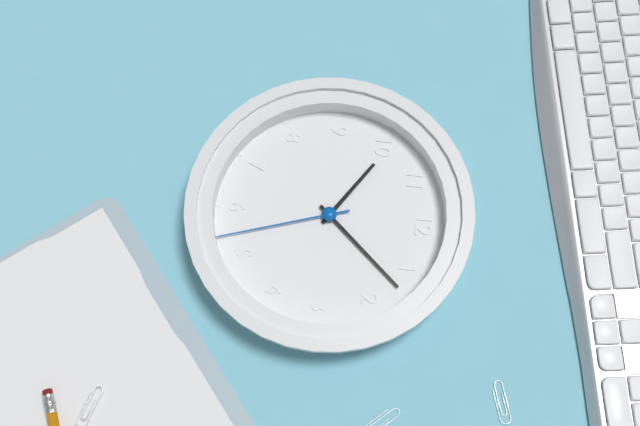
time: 10:07:27
